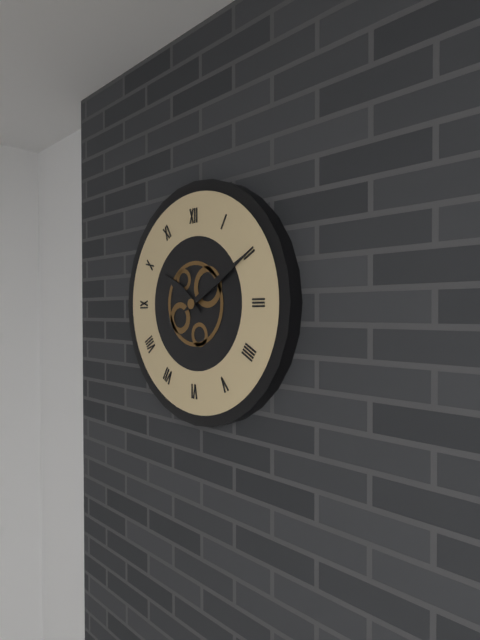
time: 10:10
